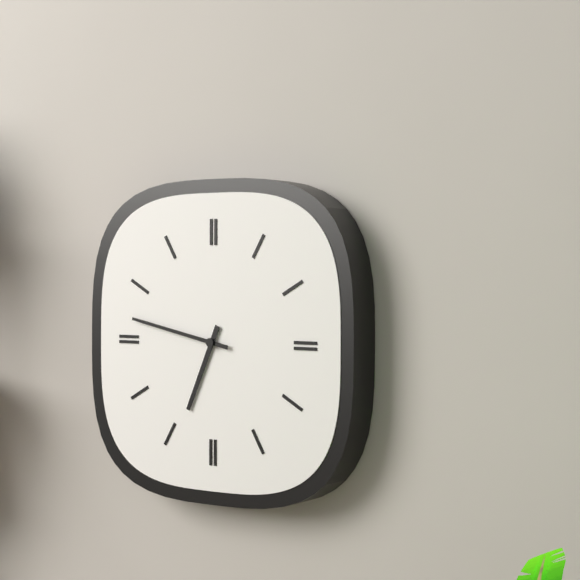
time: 6:47
